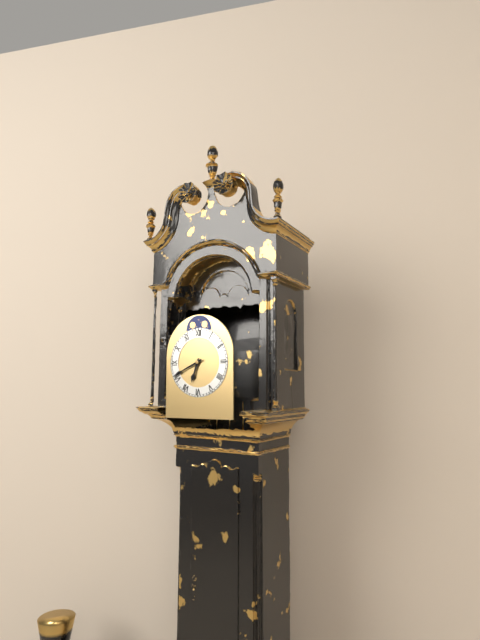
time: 6:41
